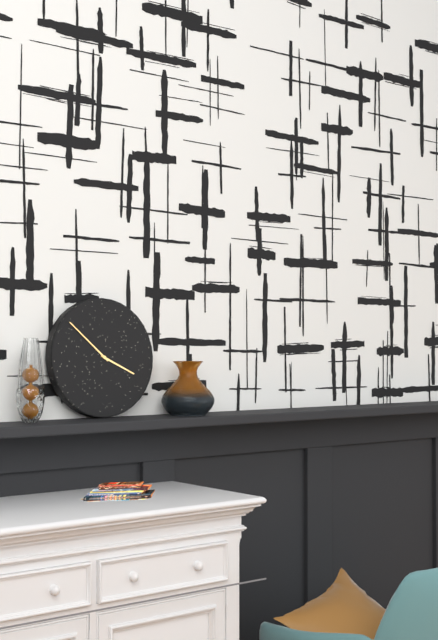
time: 3:52
